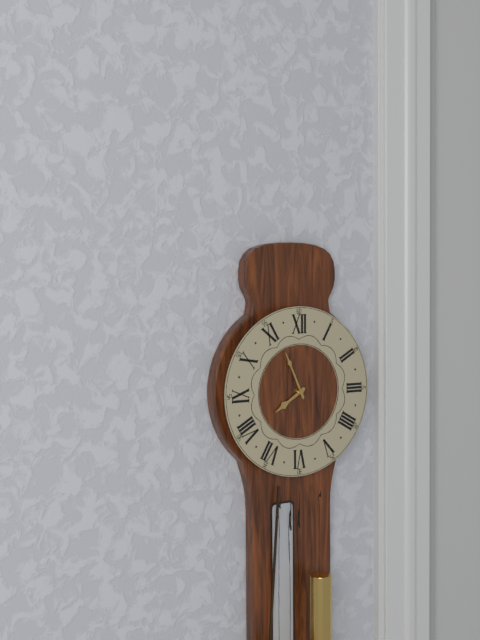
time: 7:56
